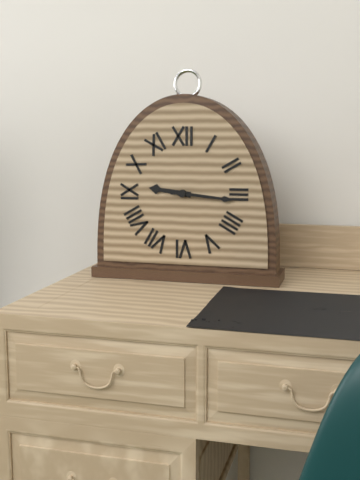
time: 9:16
